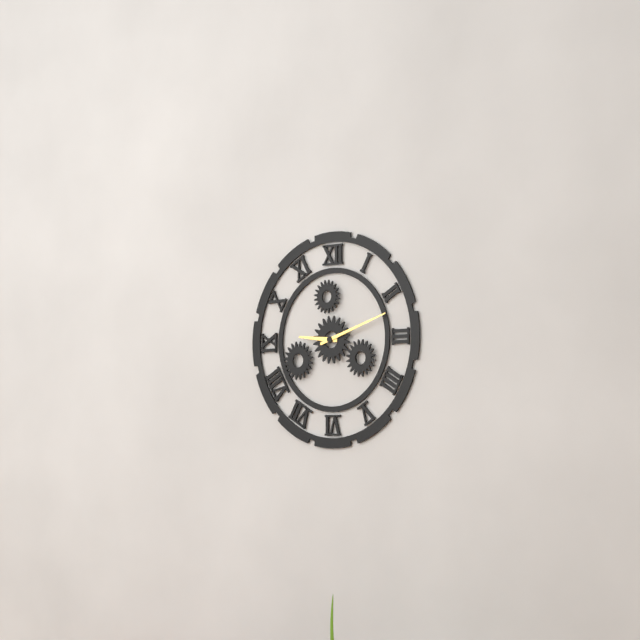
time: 9:12
